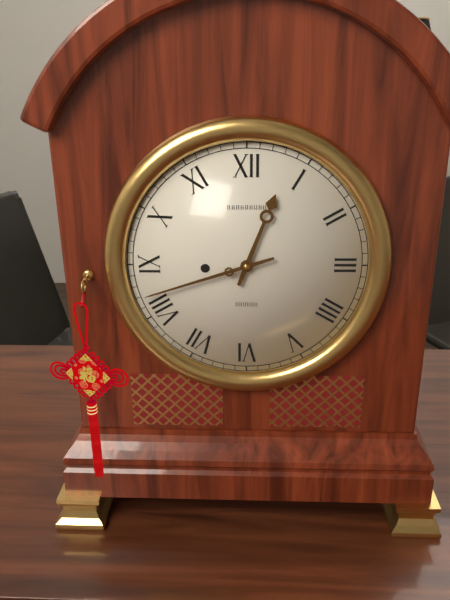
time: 12:42
